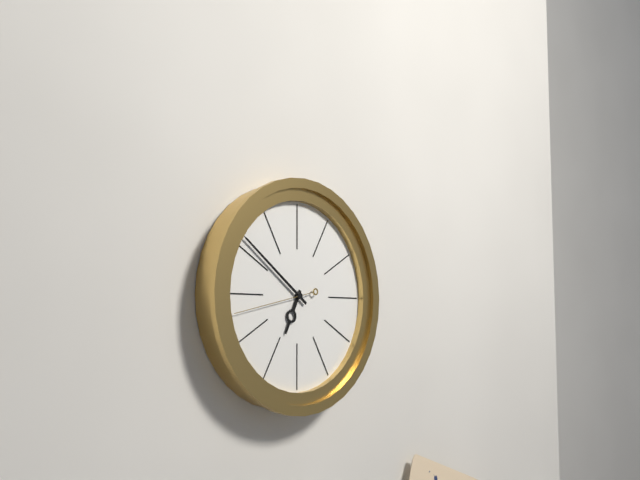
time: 6:51:43
